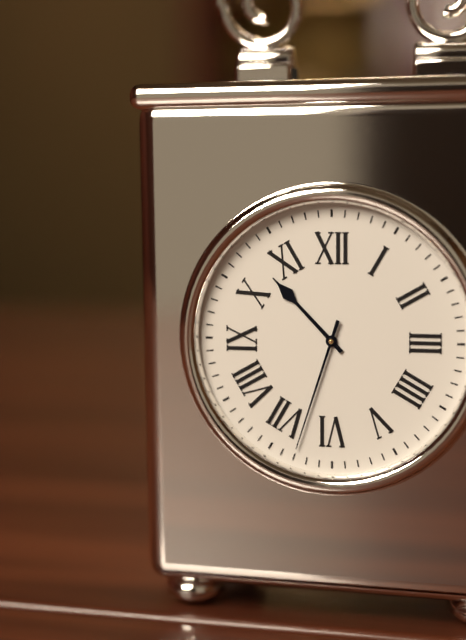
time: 10:33
